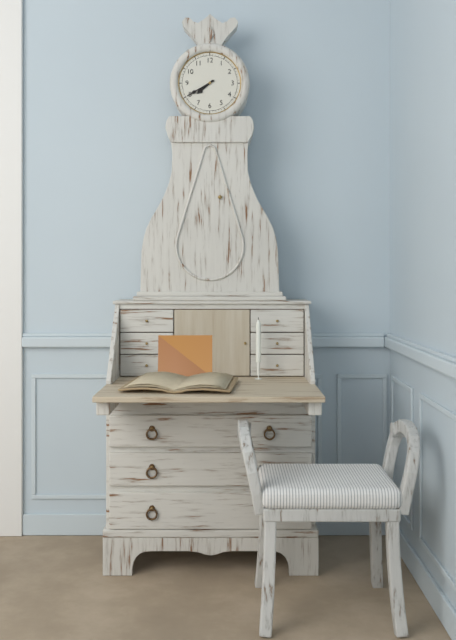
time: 7:40
